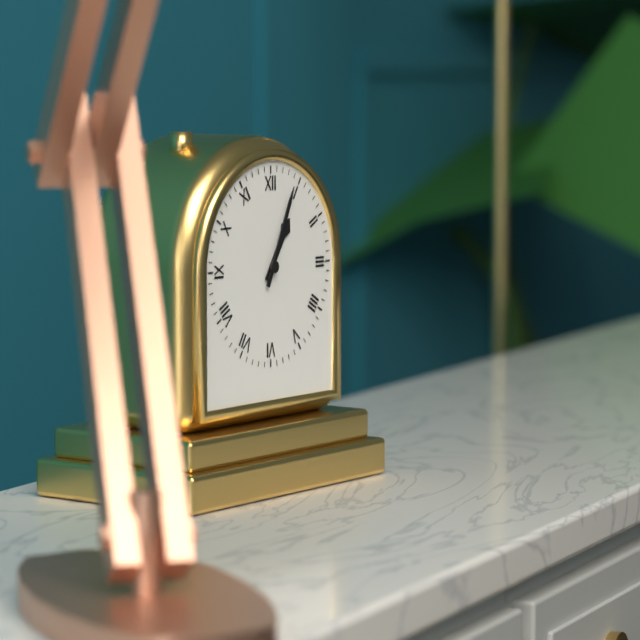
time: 1:04
